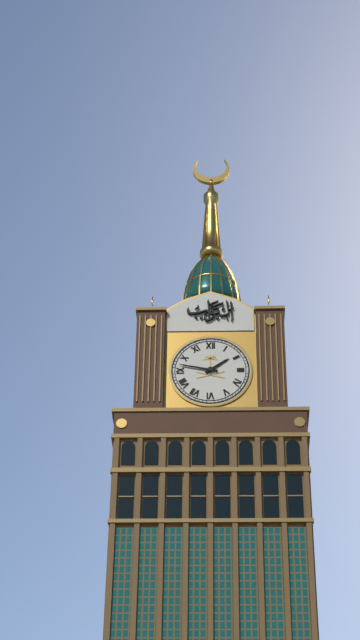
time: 1:47
